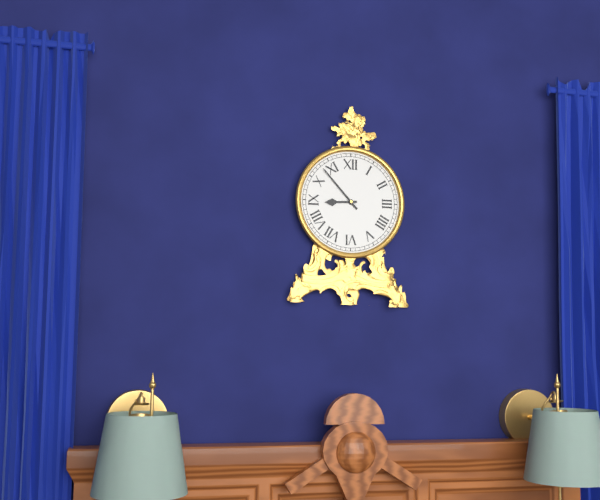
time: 8:53
